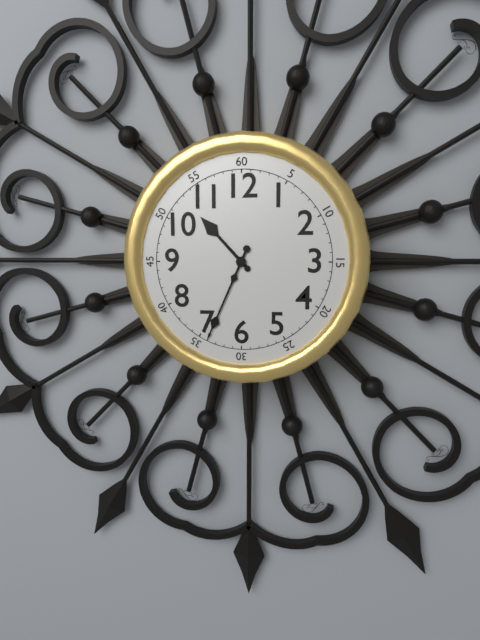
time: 10:34
